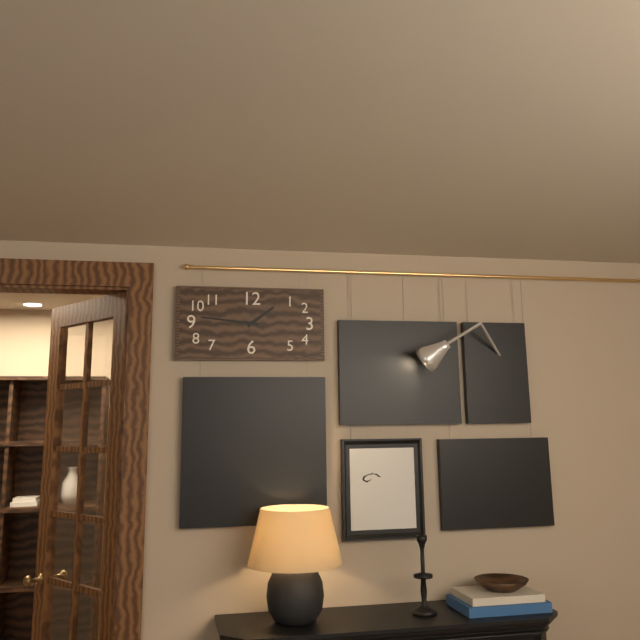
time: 1:46
